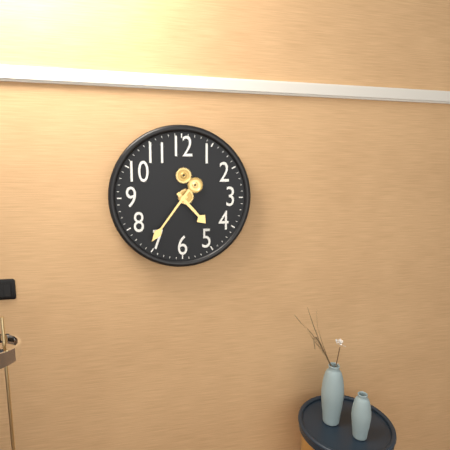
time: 4:36
